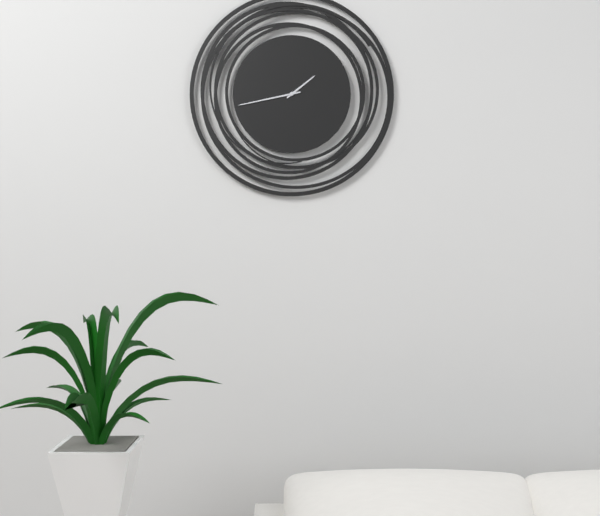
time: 1:43
